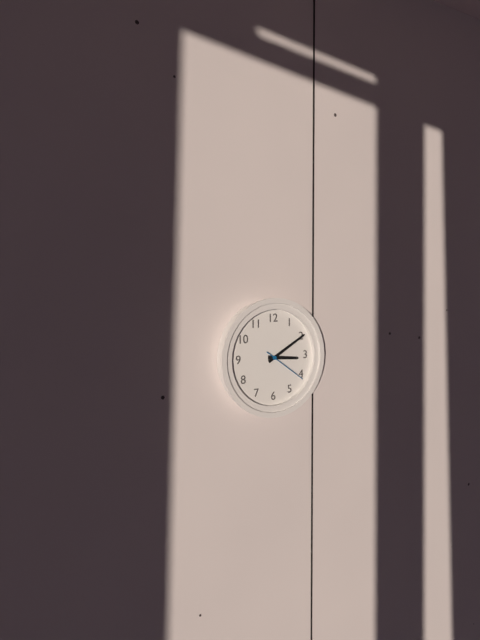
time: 3:10
